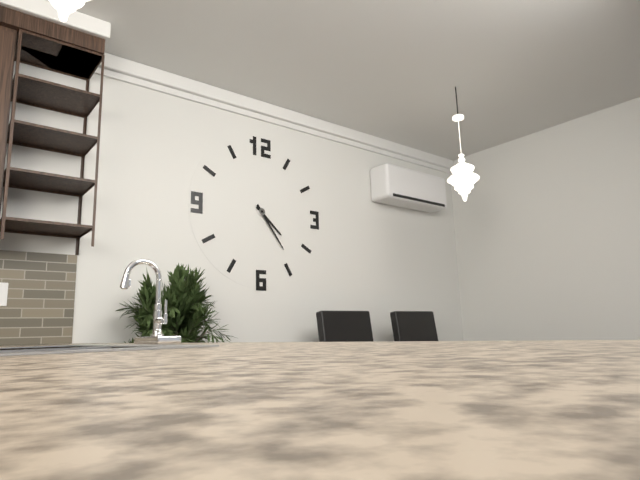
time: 4:24
